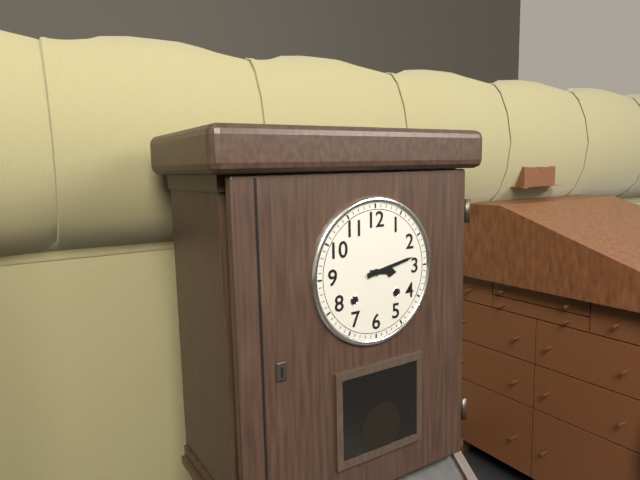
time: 3:13
